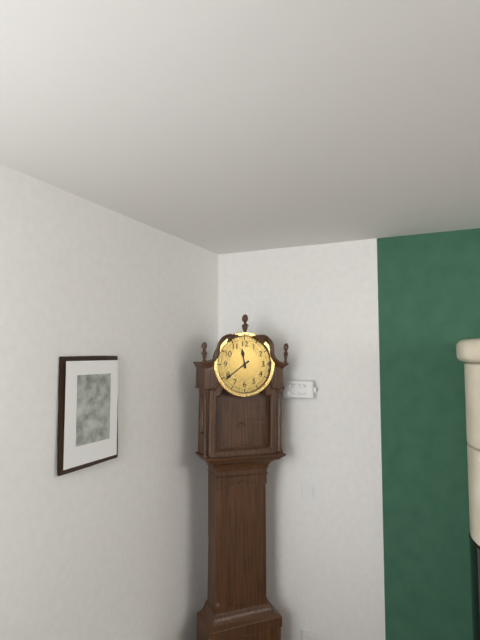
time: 11:39
